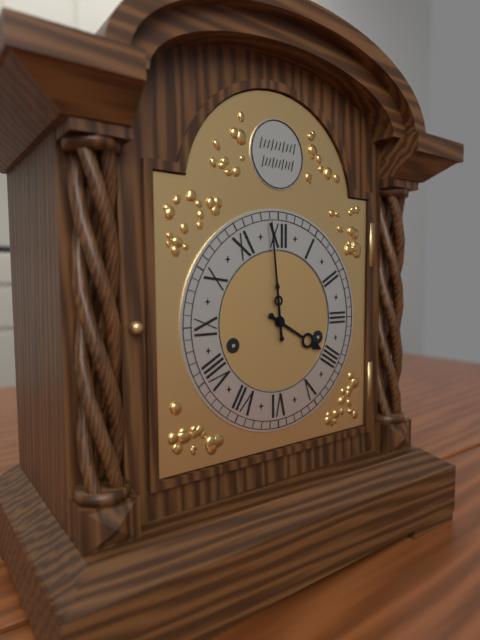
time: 3:59
